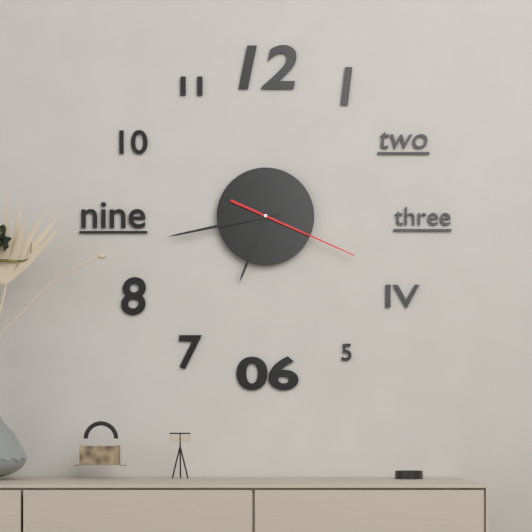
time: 6:43:19
